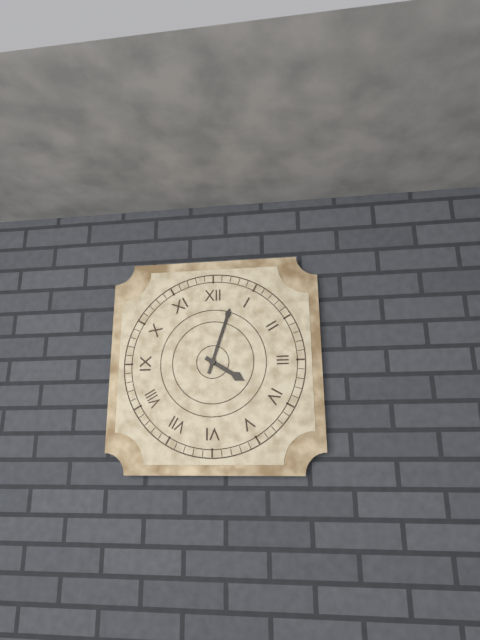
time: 4:03
